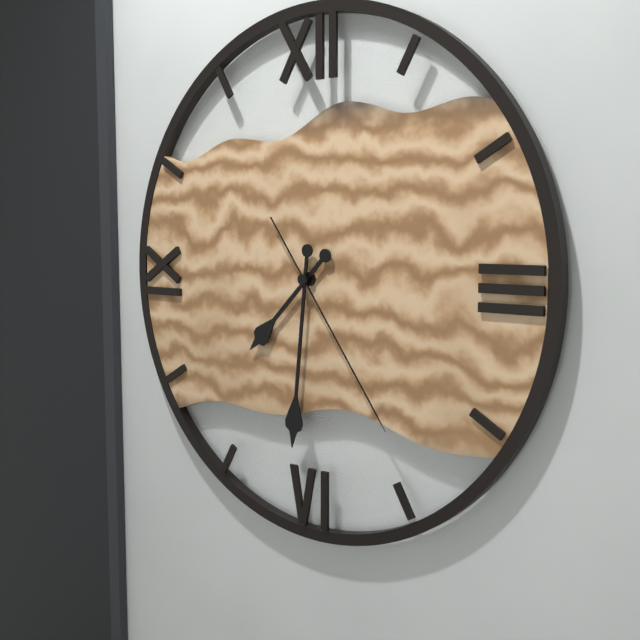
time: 7:31:24
